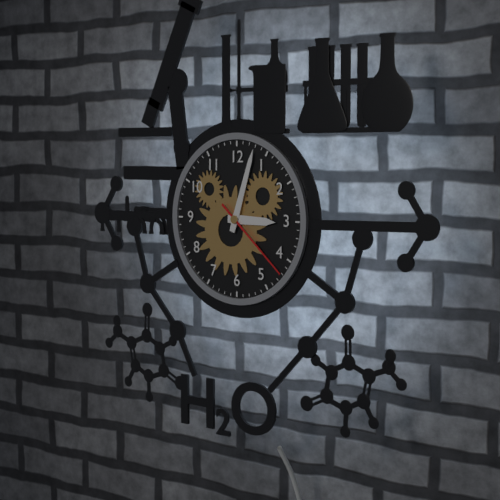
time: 3:03:22
